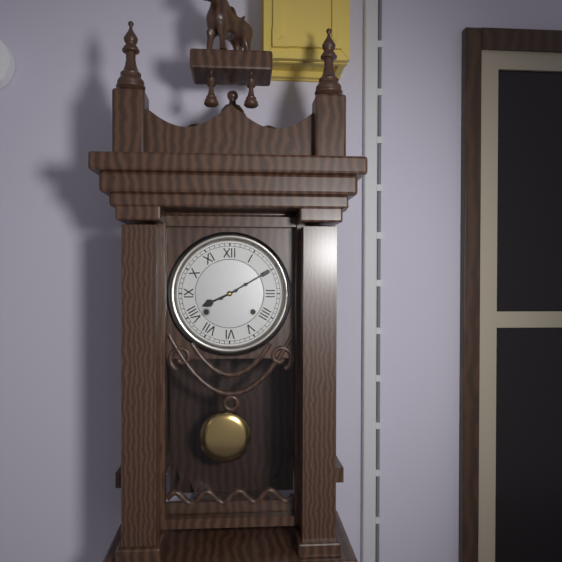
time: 8:10
